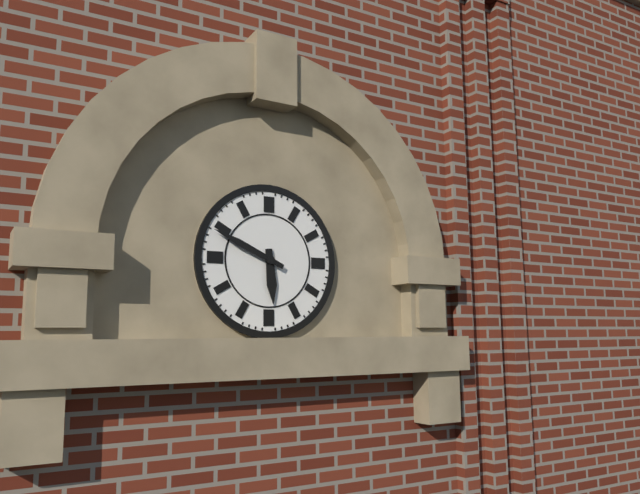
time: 5:49
